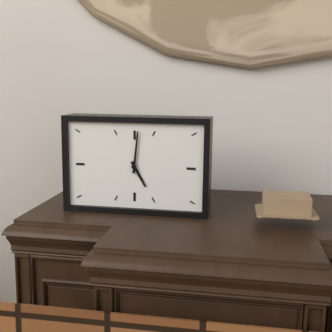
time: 5:01
